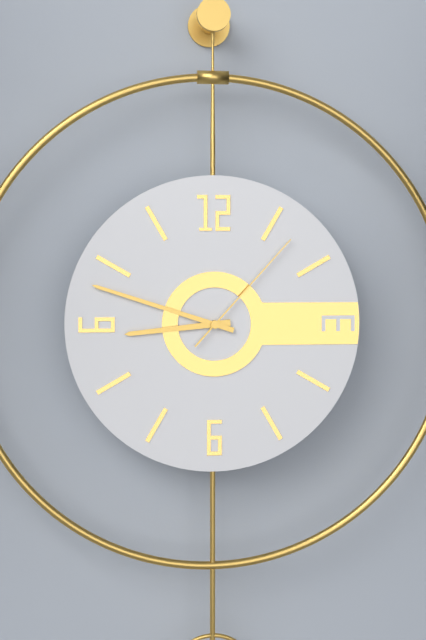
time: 8:48:07
